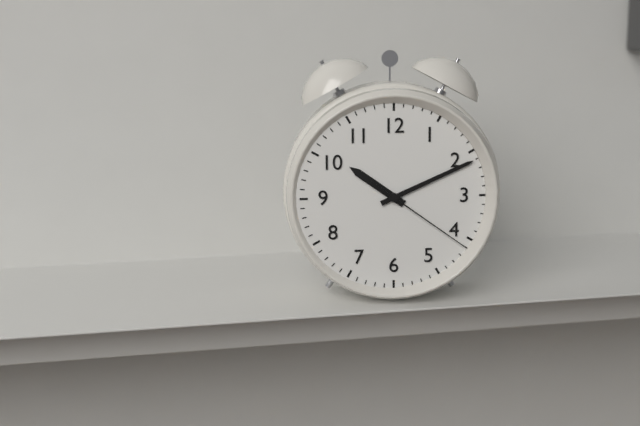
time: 10:11:21
